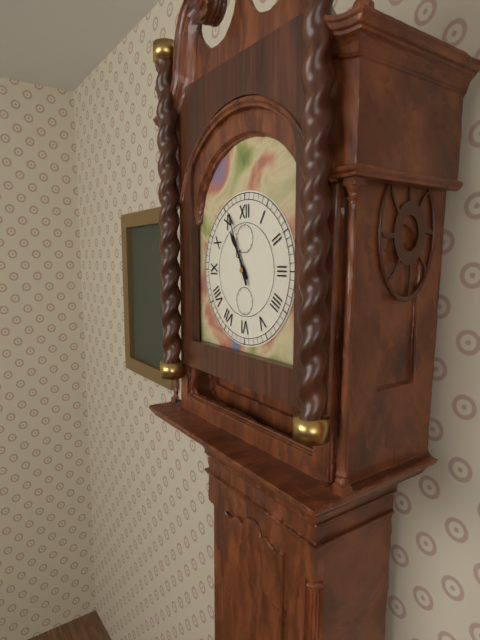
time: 10:56
